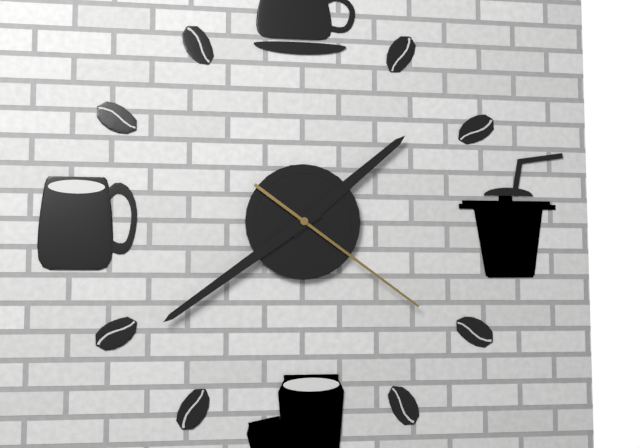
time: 1:39:21
